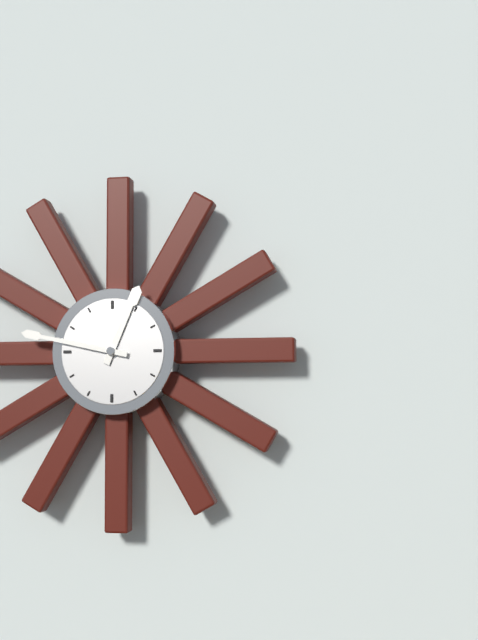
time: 12:47
